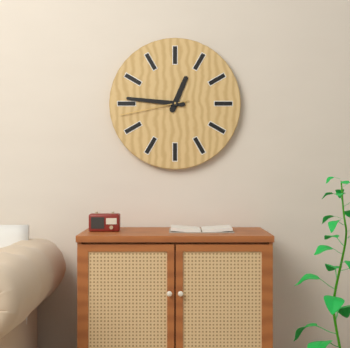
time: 12:46:43
